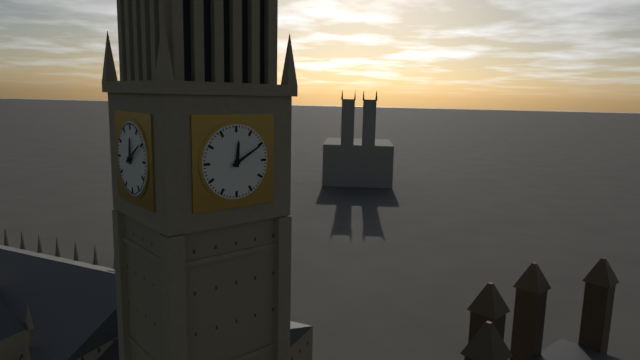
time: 12:10
